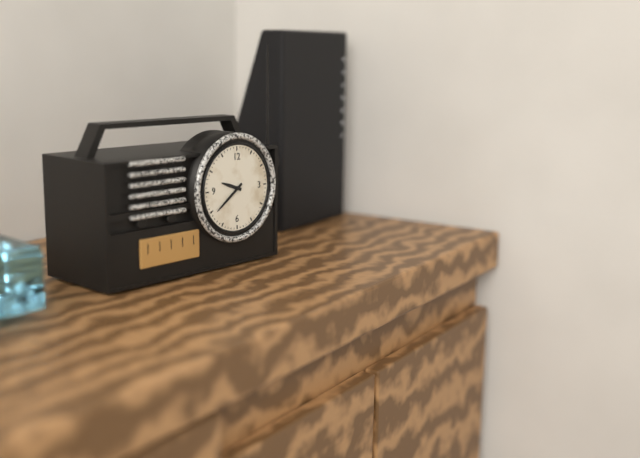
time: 9:39
